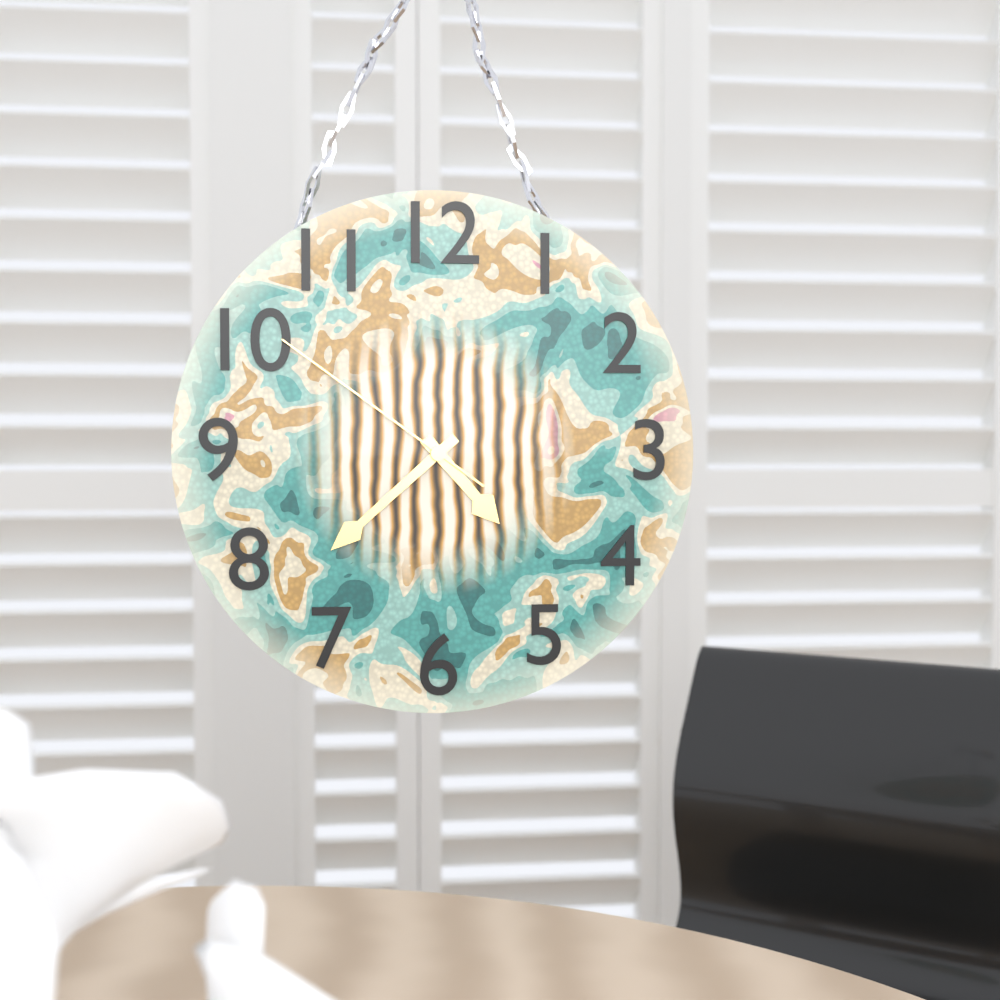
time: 4:38:51
